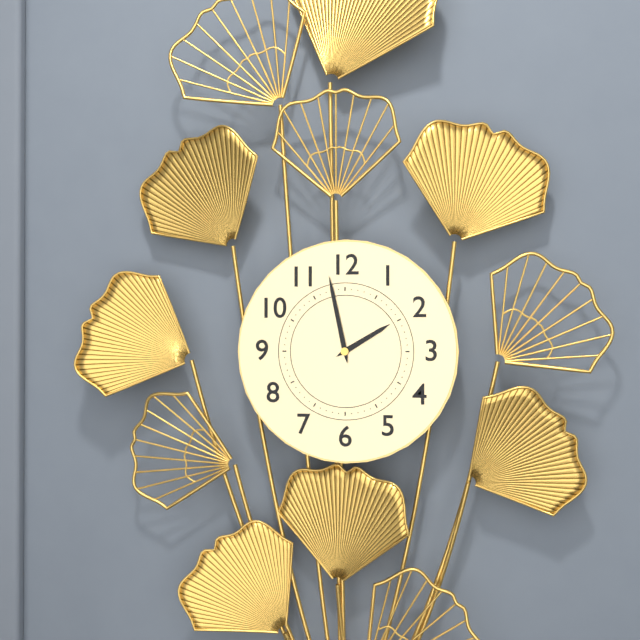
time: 1:58
